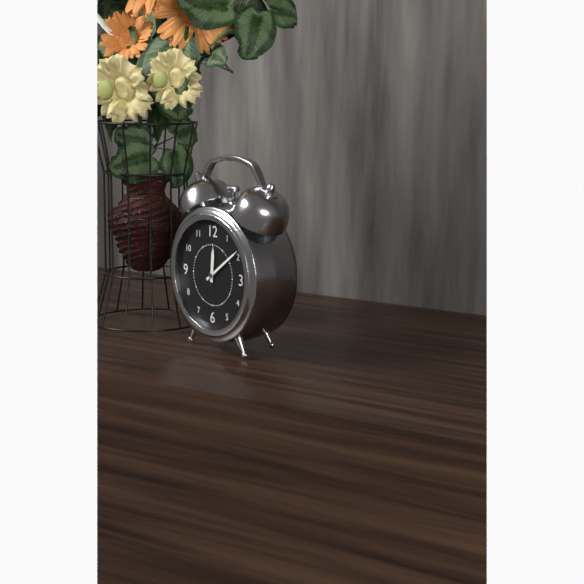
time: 12:09
